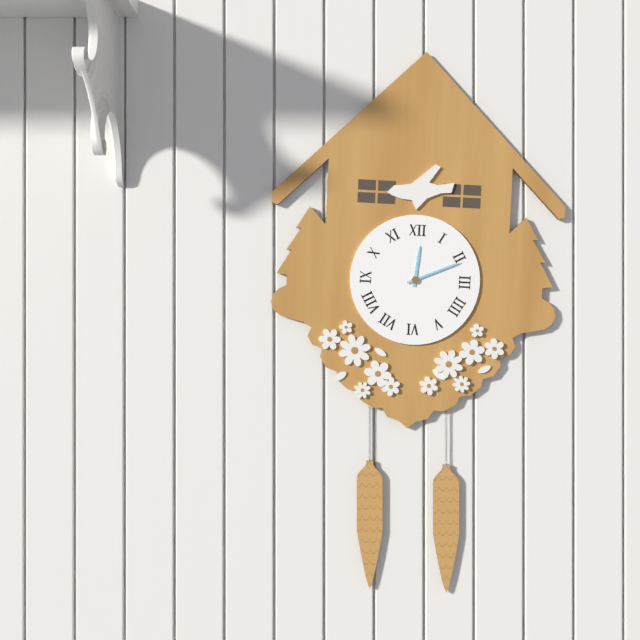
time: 12:11
